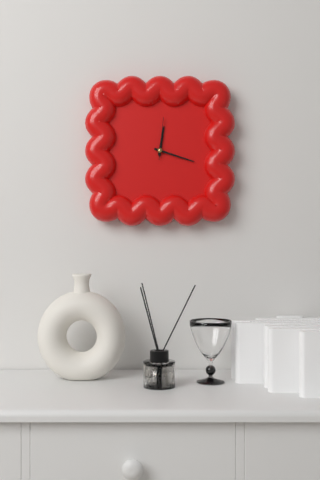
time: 12:18
